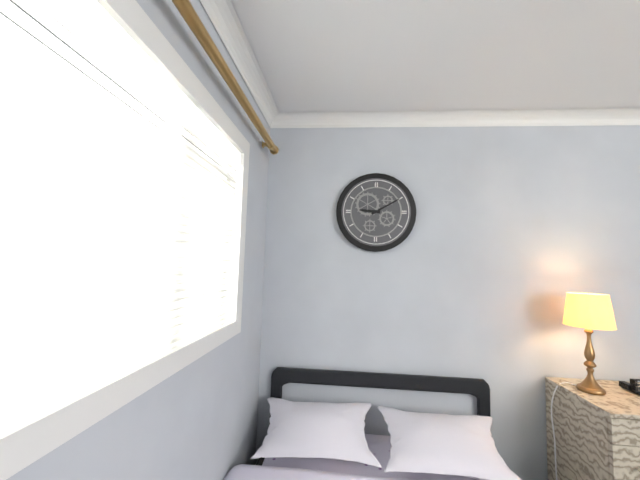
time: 9:10
